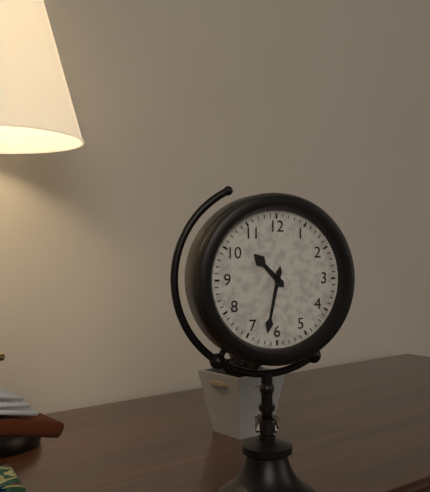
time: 10:32
